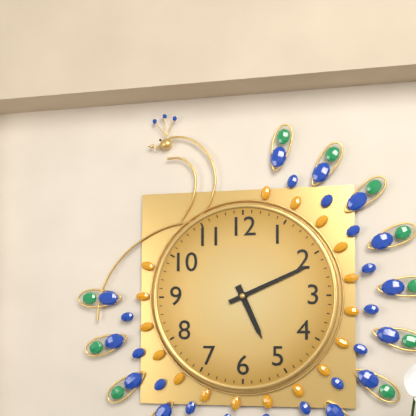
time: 5:11
